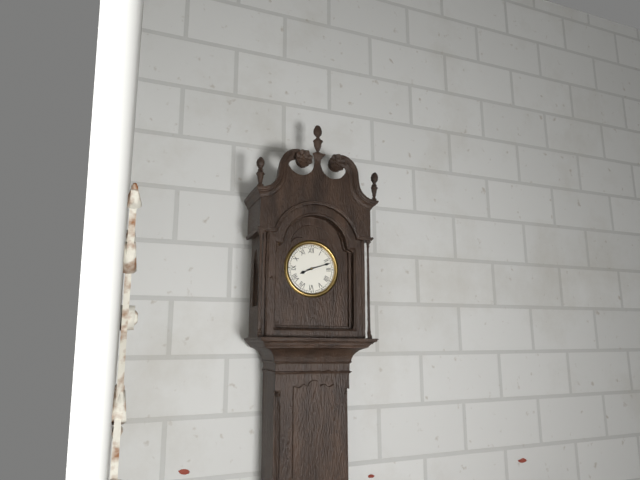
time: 8:12
